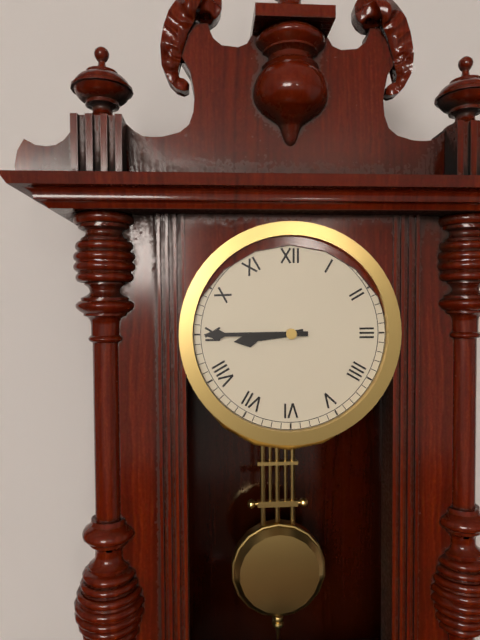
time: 8:45
